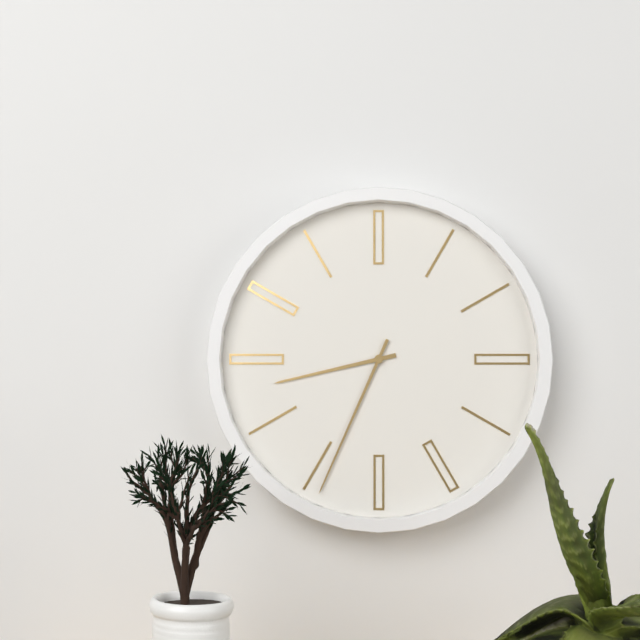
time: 8:34
